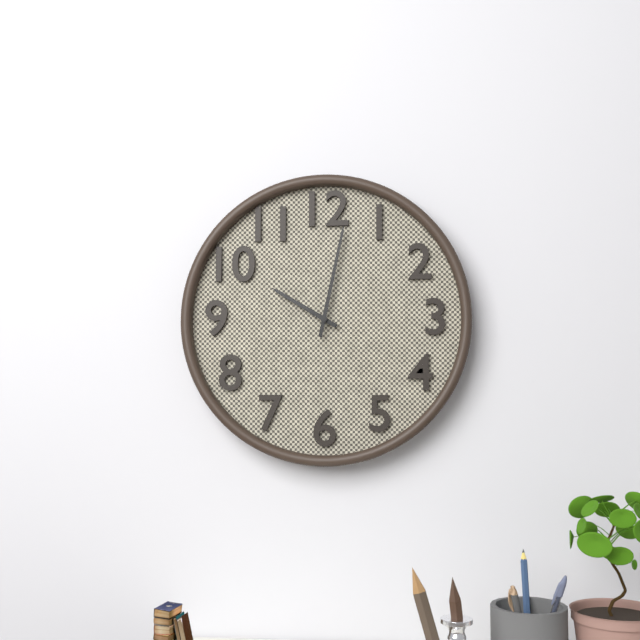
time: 10:02
